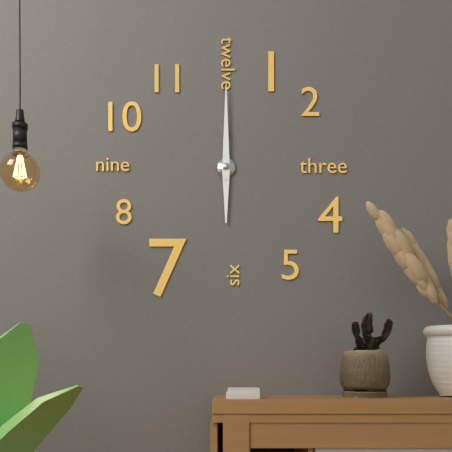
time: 6:00
